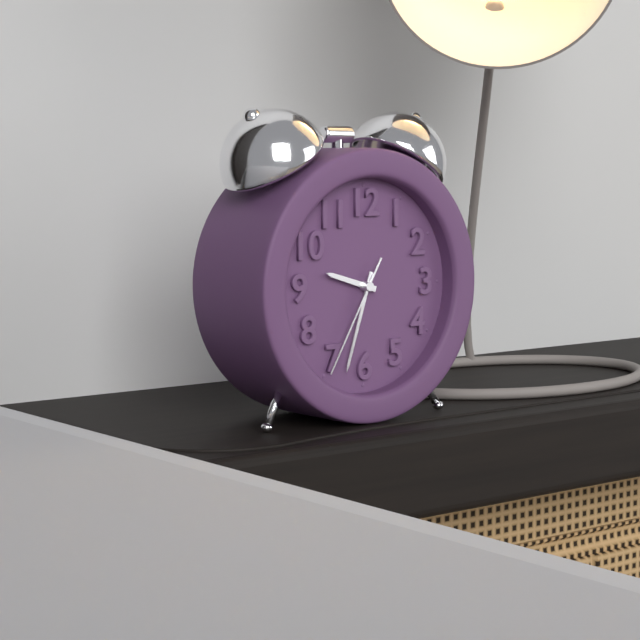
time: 9:33:35
